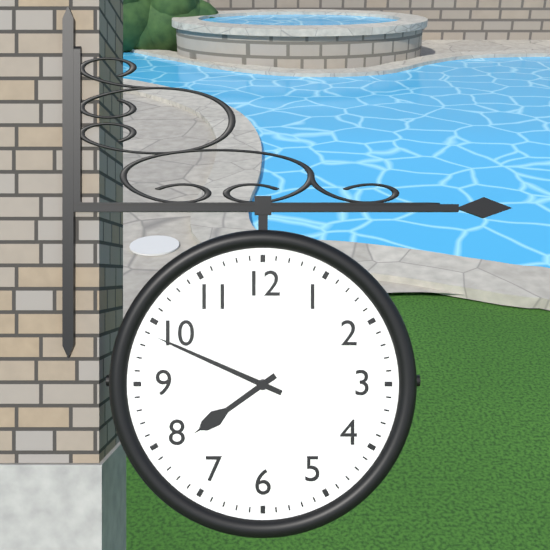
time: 7:49
